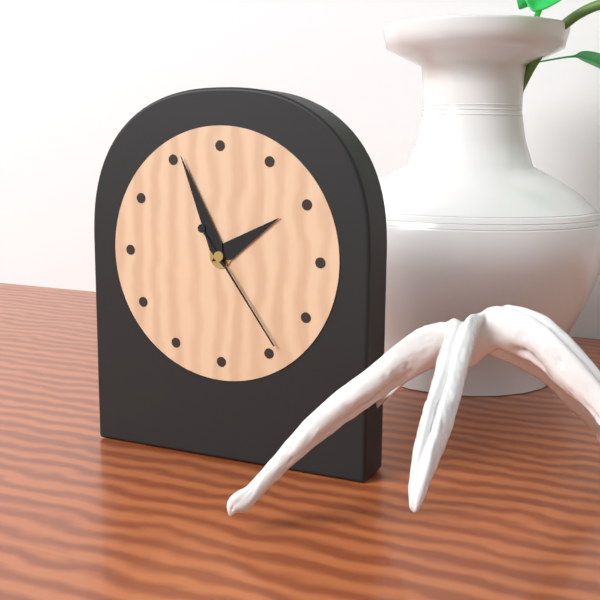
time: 1:56:24
